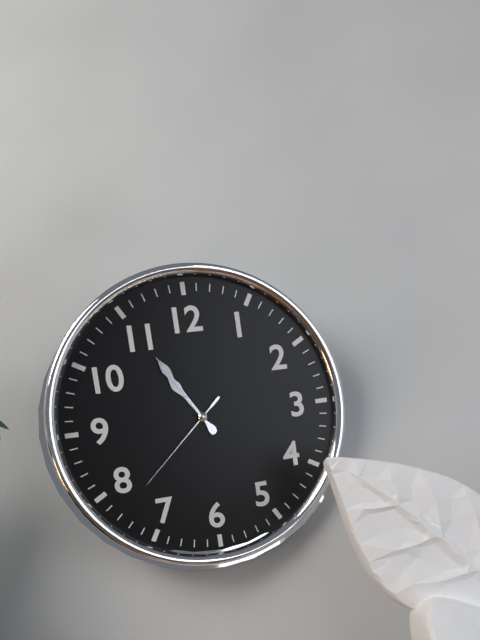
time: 10:55:38
